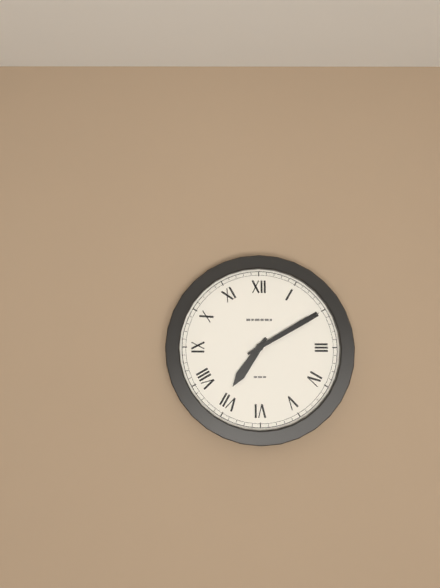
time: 7:10
